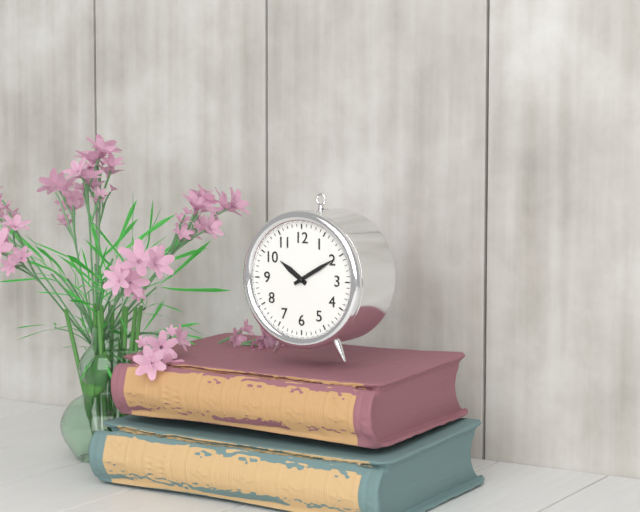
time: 10:10
